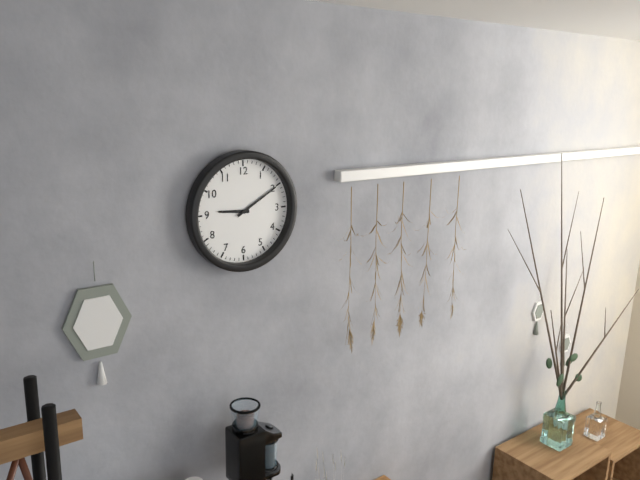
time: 9:10
